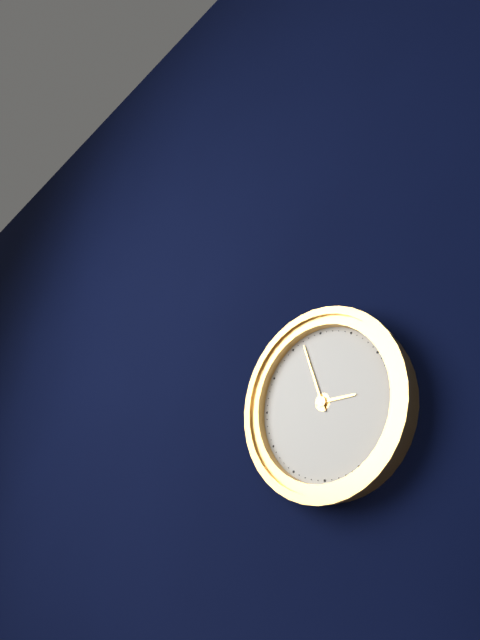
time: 2:57
